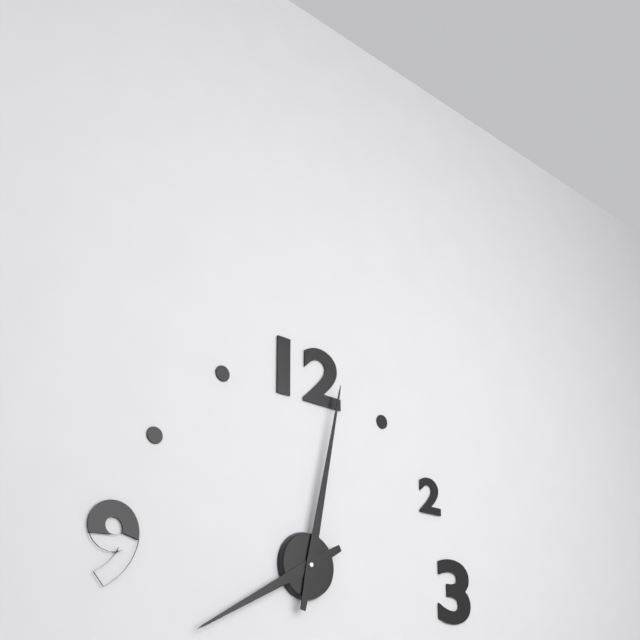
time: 8:02
